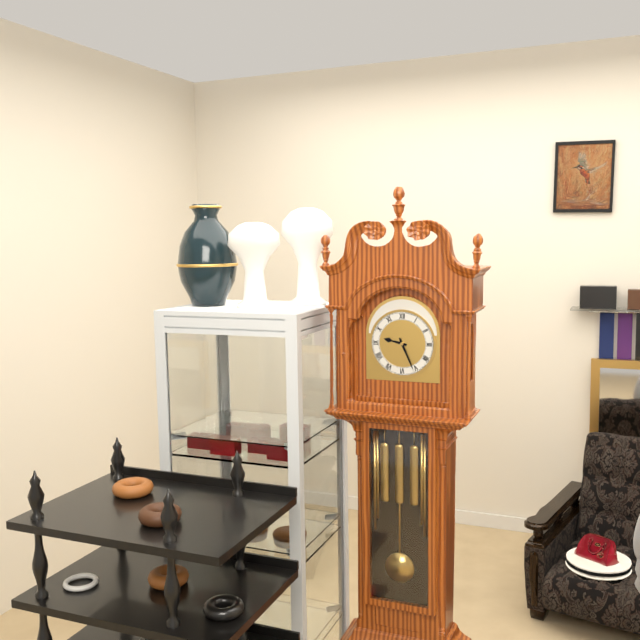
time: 9:26
